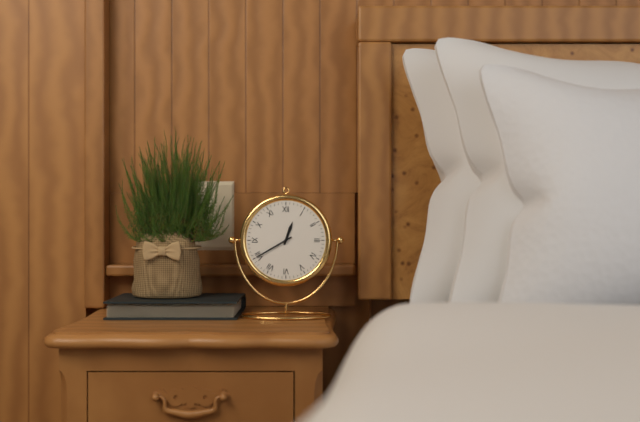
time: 12:40
